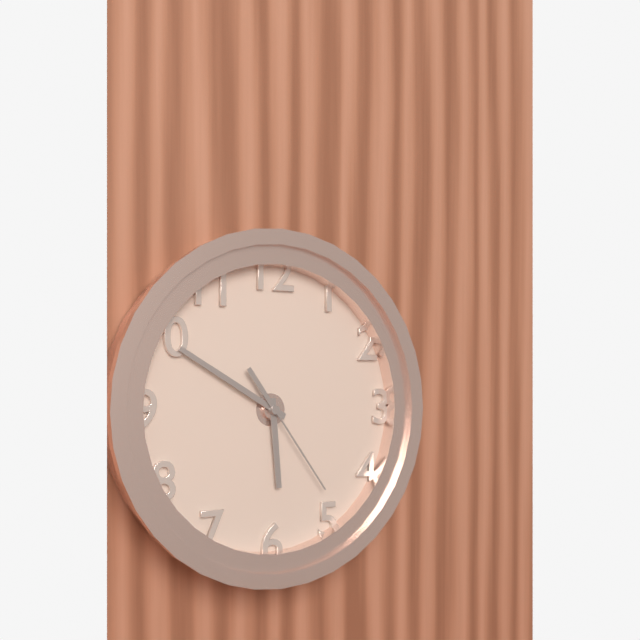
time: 5:50:24
